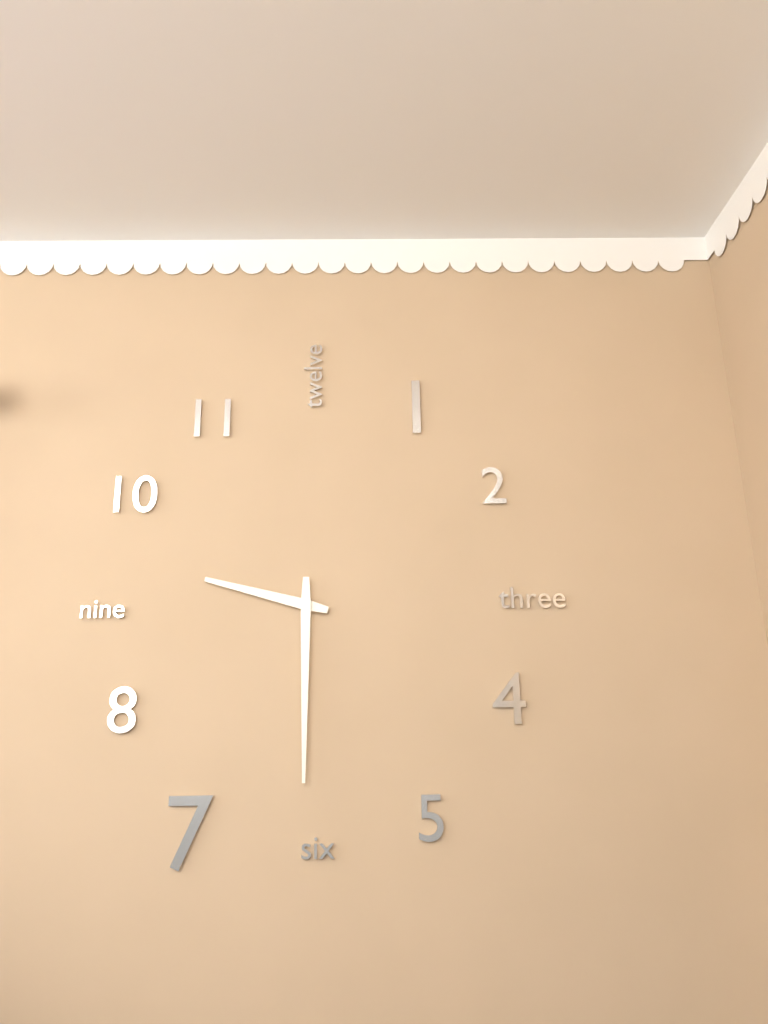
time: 9:30
